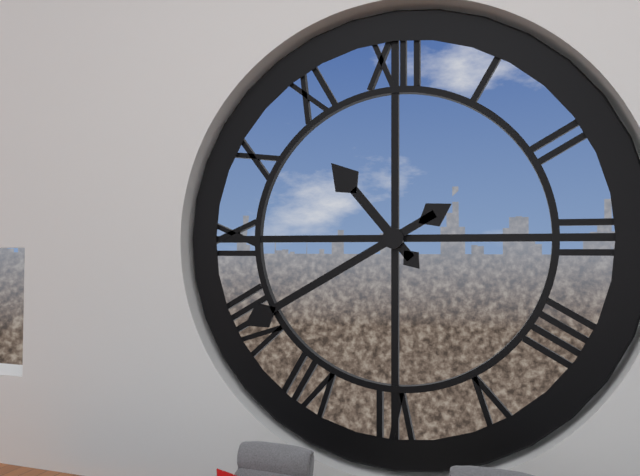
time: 10:40
